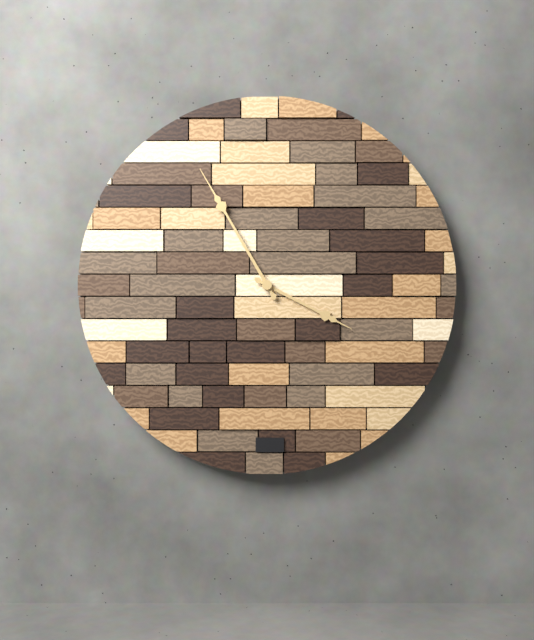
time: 3:55
